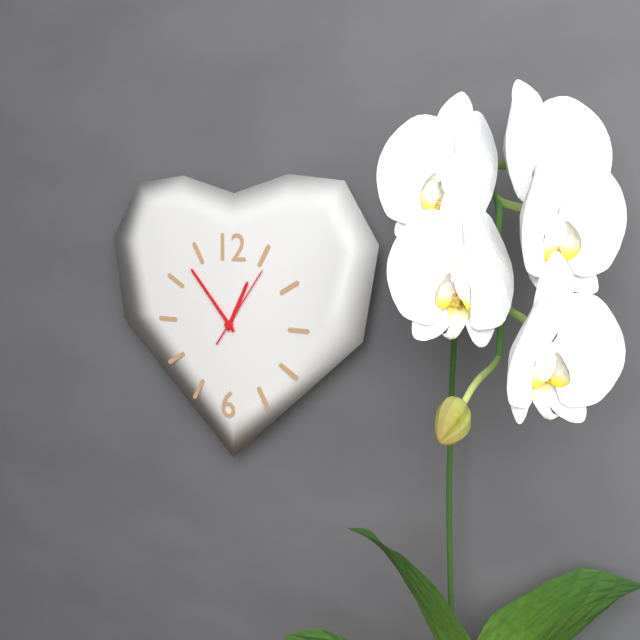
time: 12:53:06
